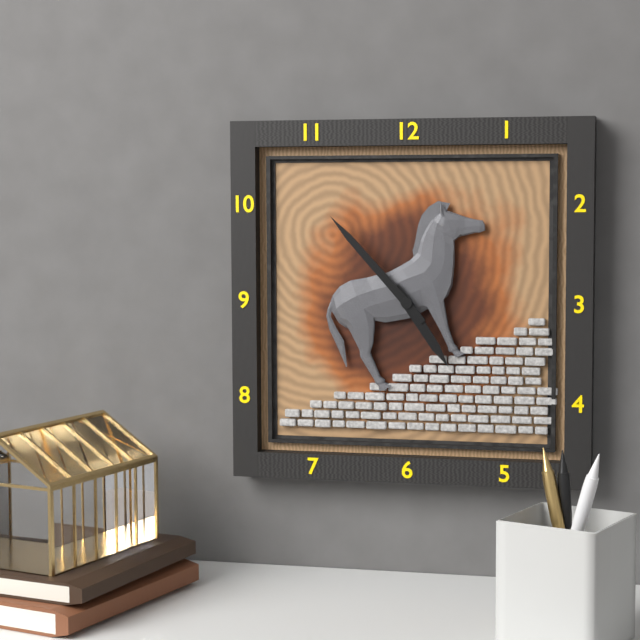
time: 4:53
